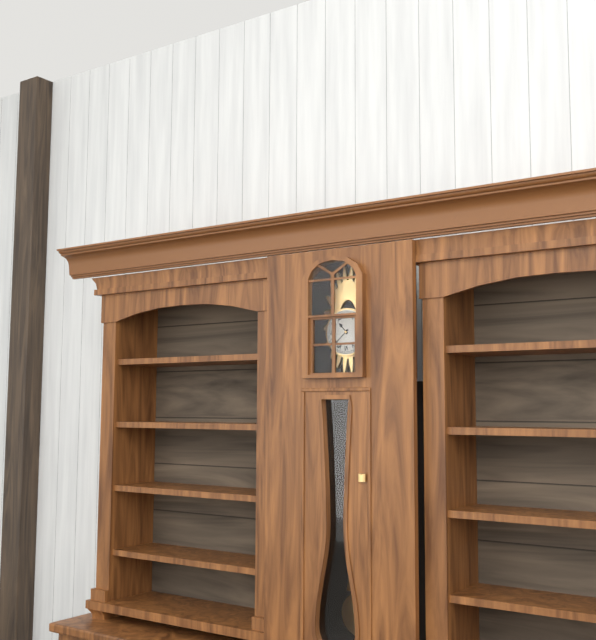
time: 10:38
